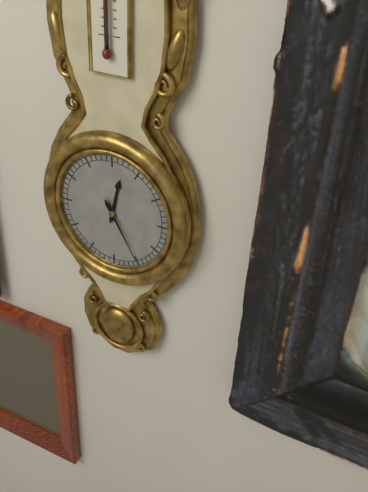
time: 12:25
